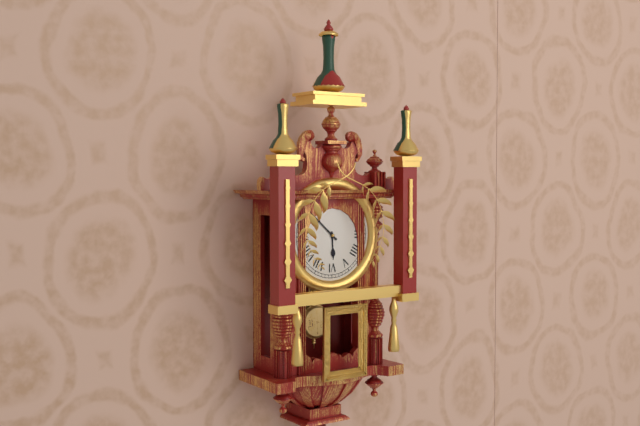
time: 5:52
